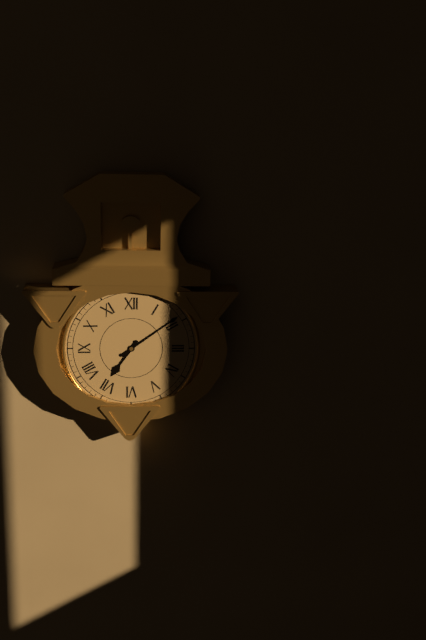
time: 7:09
